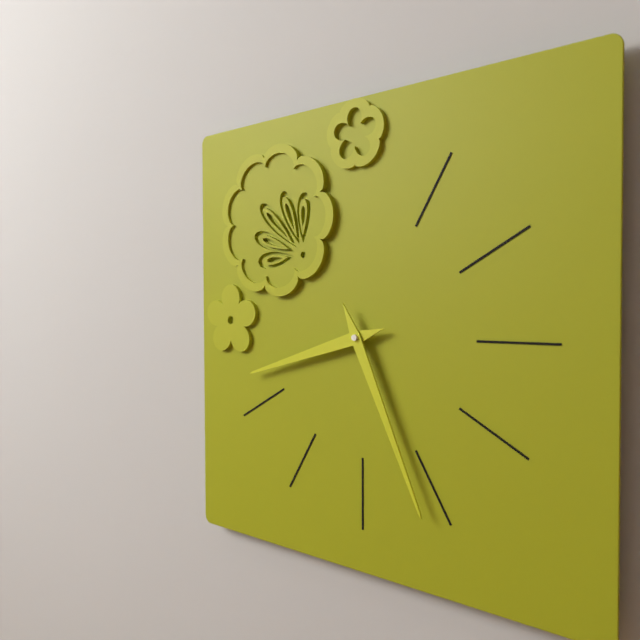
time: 8:26
